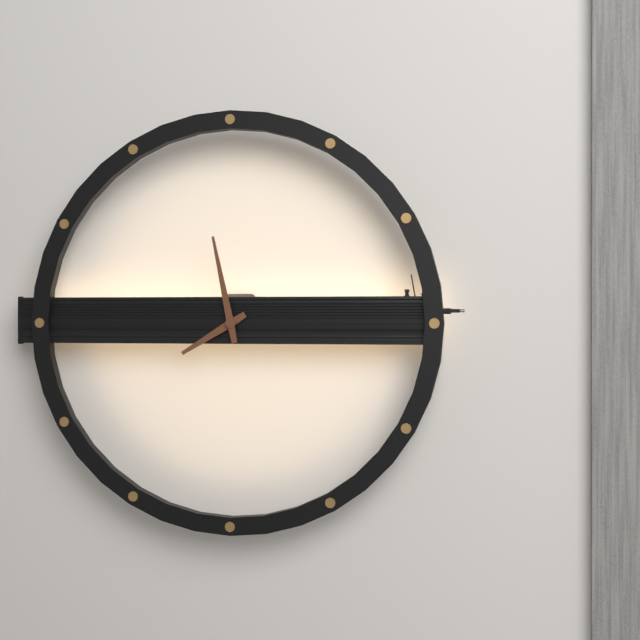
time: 7:58
